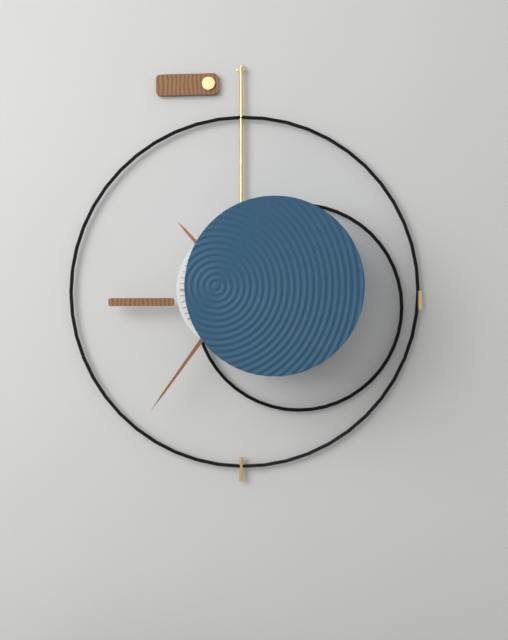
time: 10:36
